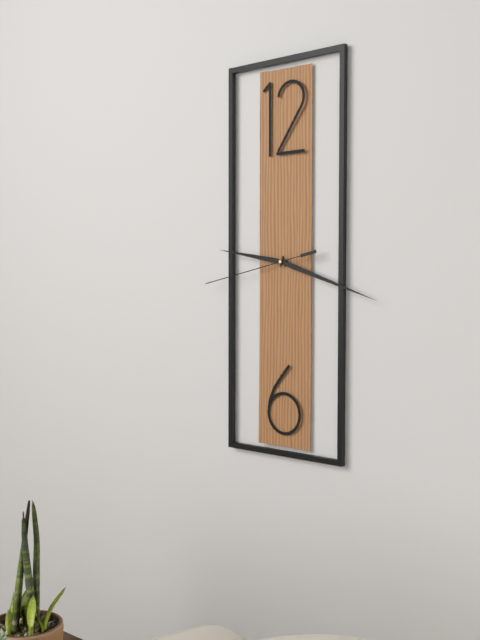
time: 9:18:43
